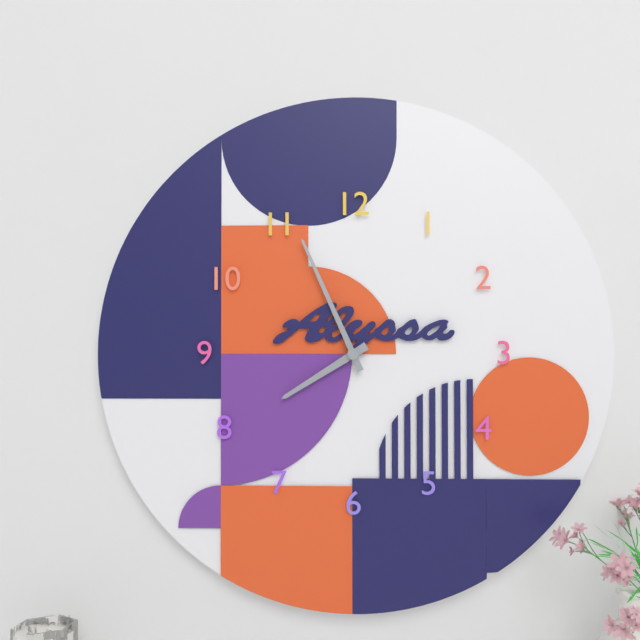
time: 7:56
